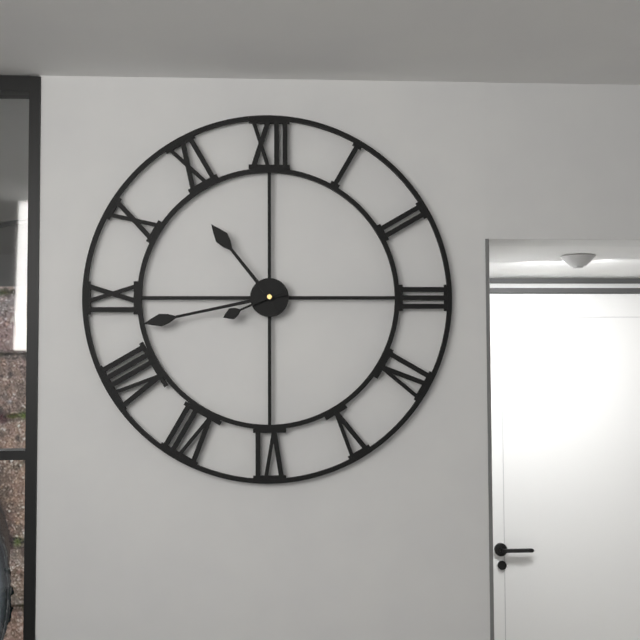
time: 10:43:41
